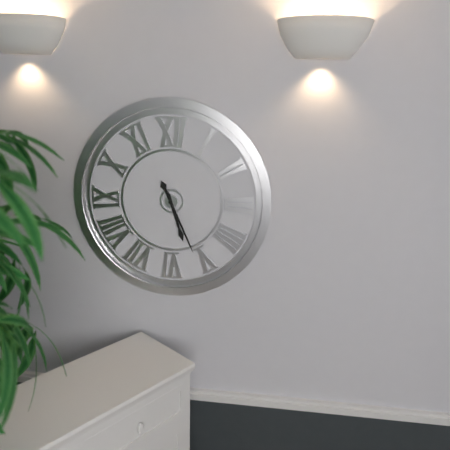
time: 5:26
